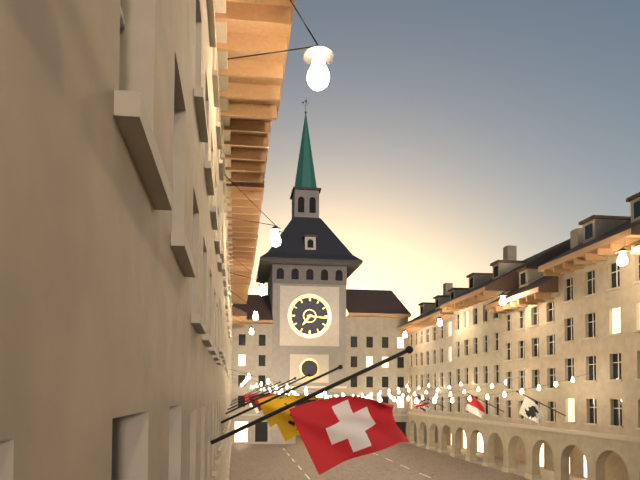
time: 7:16
